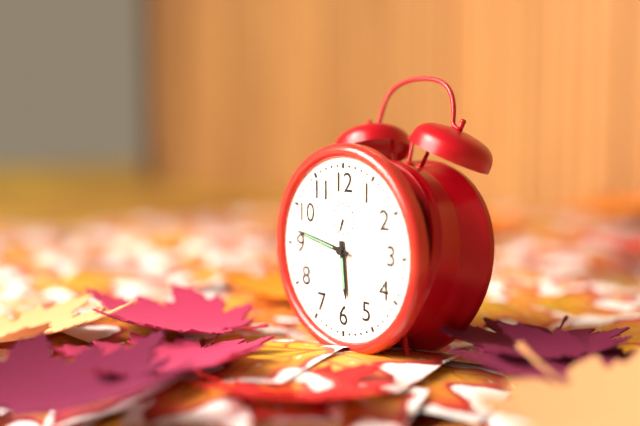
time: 5:47
